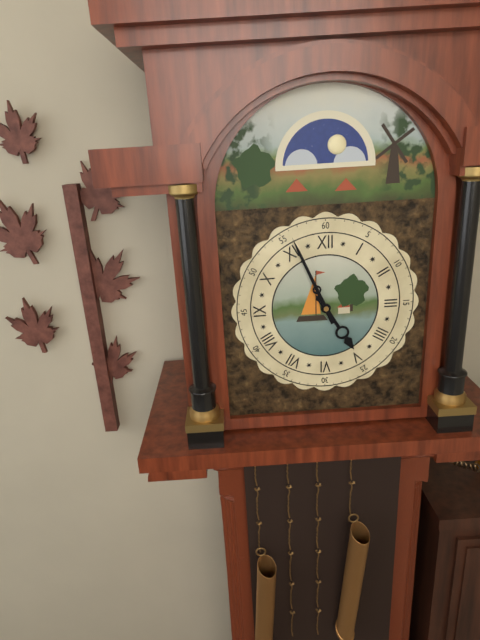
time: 4:56
